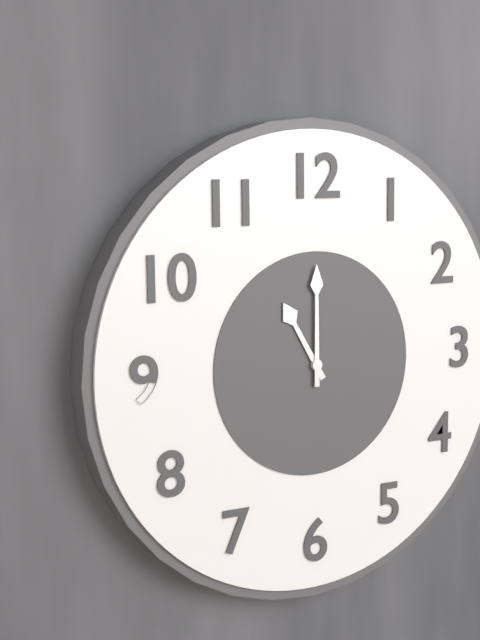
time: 11:00
